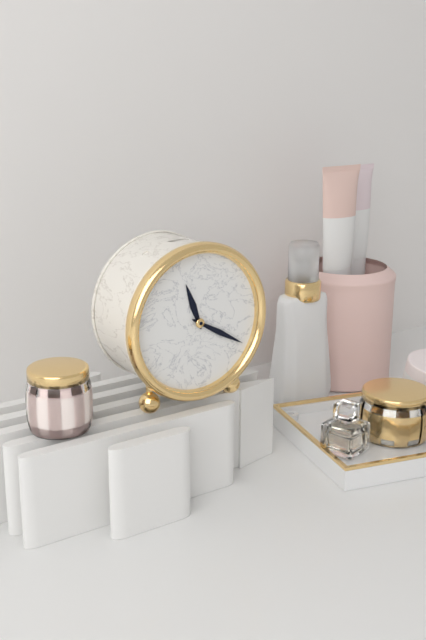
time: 11:20
